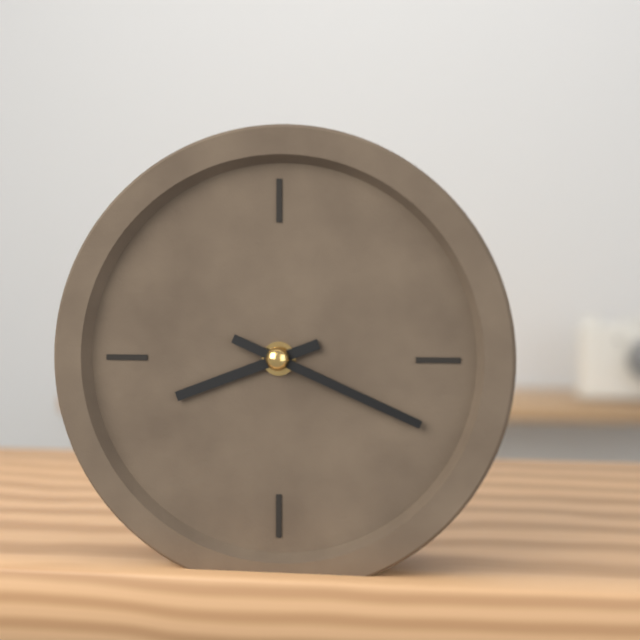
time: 8:19
